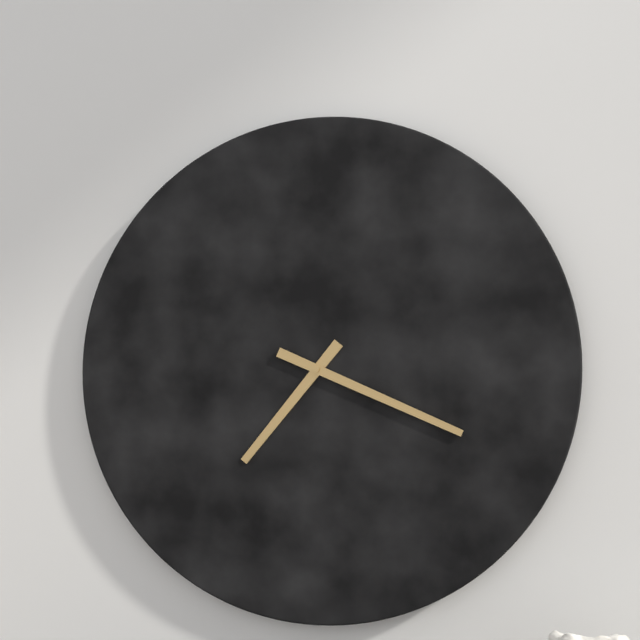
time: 7:19
